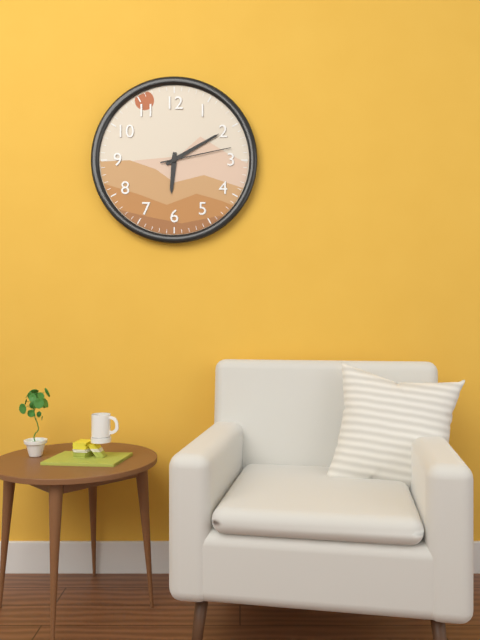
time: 6:10:13
